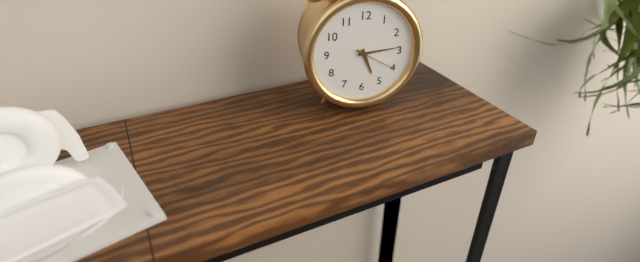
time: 5:14
